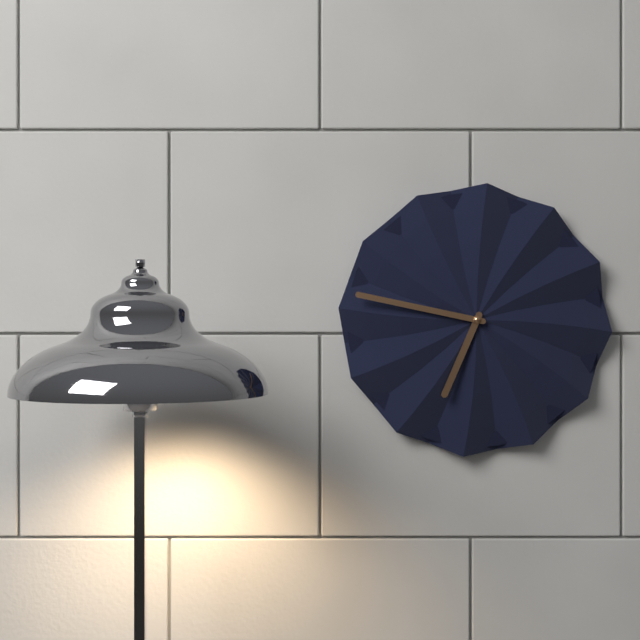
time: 6:47
